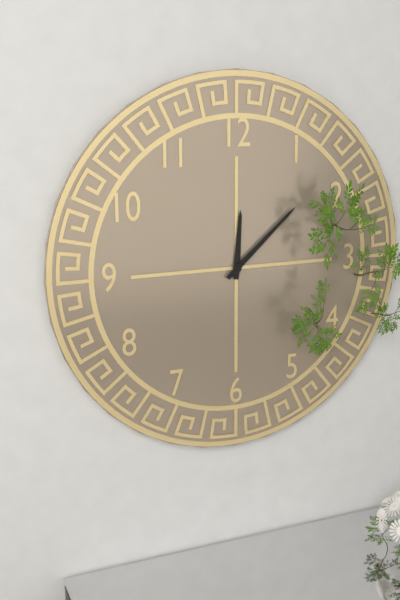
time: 12:08
